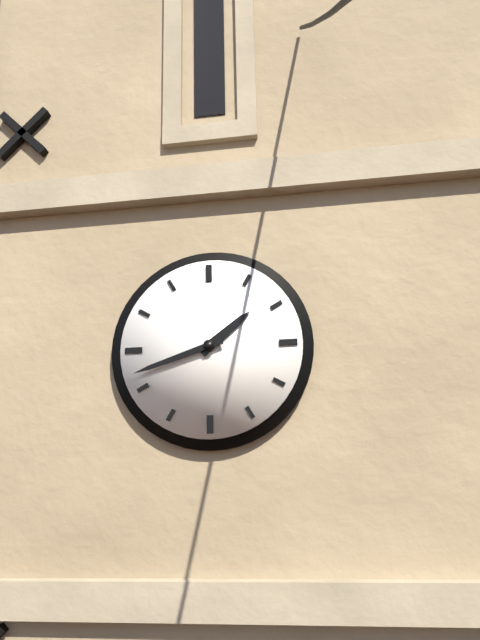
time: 1:42
